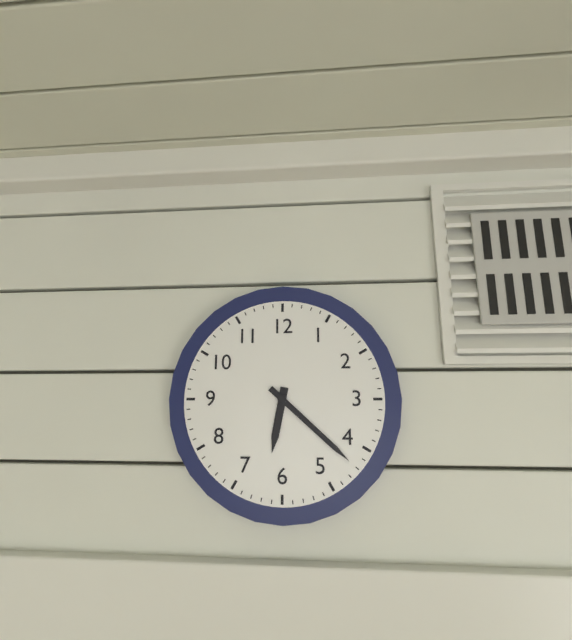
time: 6:22
